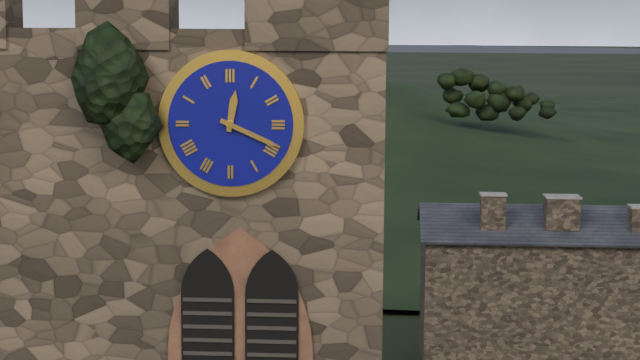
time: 12:19
